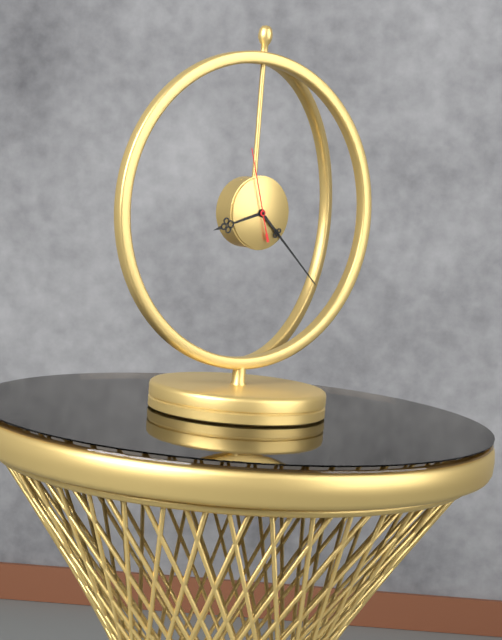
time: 8:22:57
